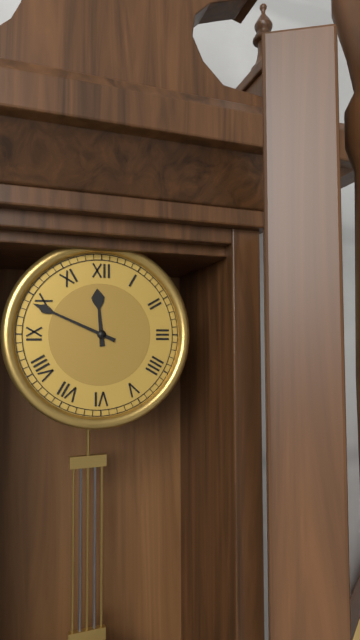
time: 11:49
